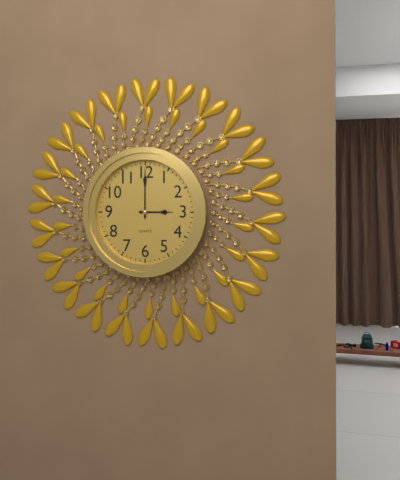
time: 3:00
